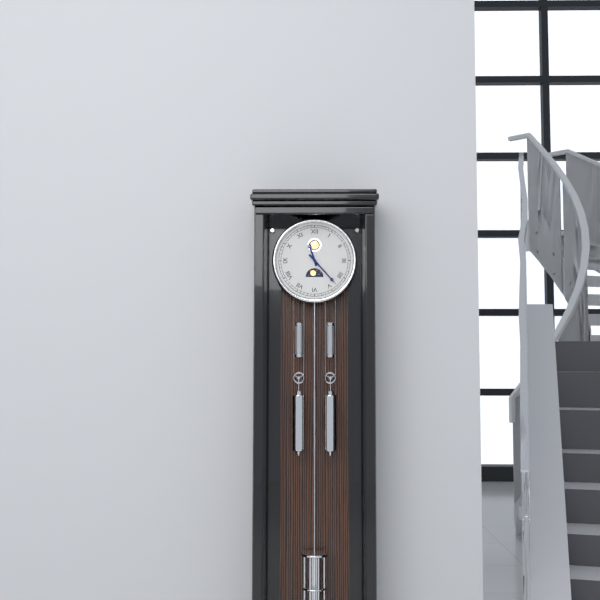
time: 11:23
